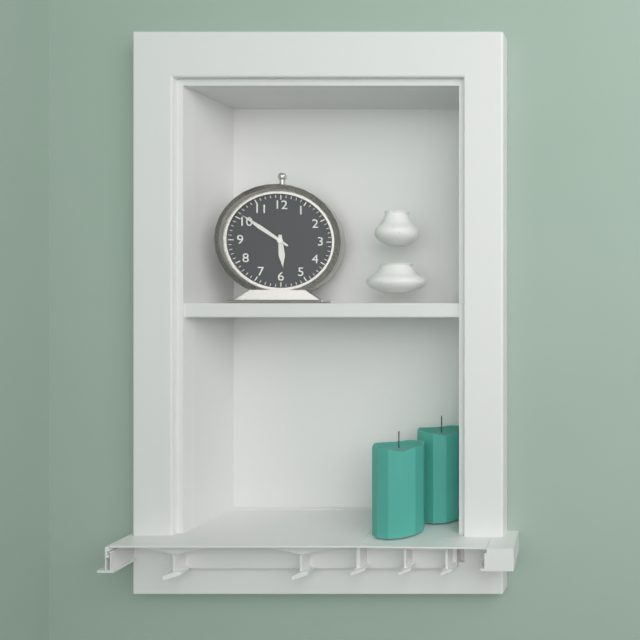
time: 5:51
